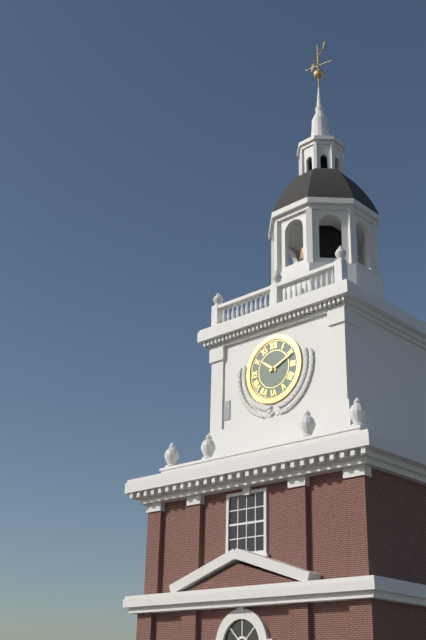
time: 10:11
